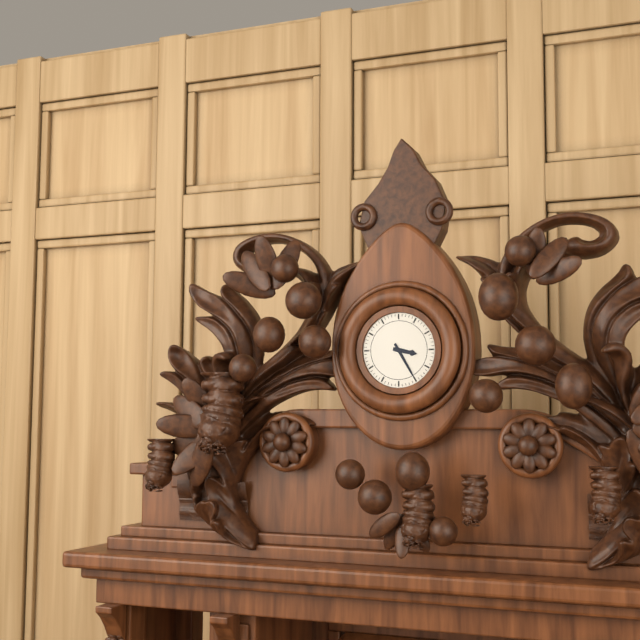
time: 3:25
